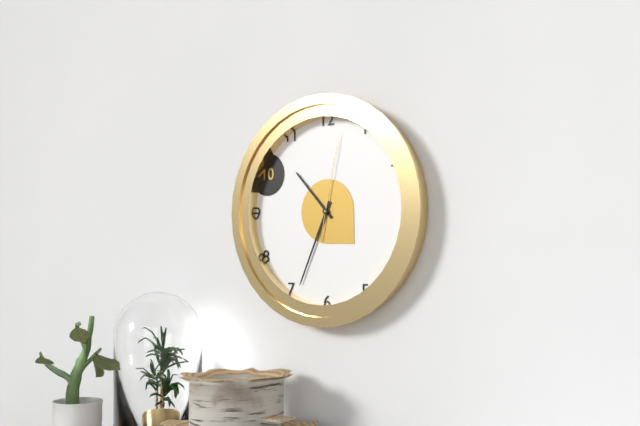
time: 10:34:02
